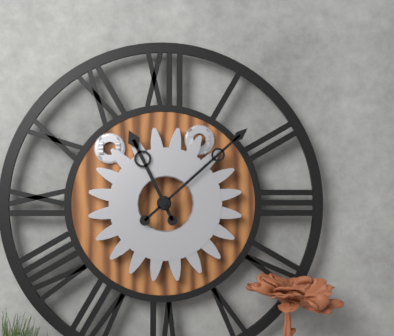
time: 11:08
